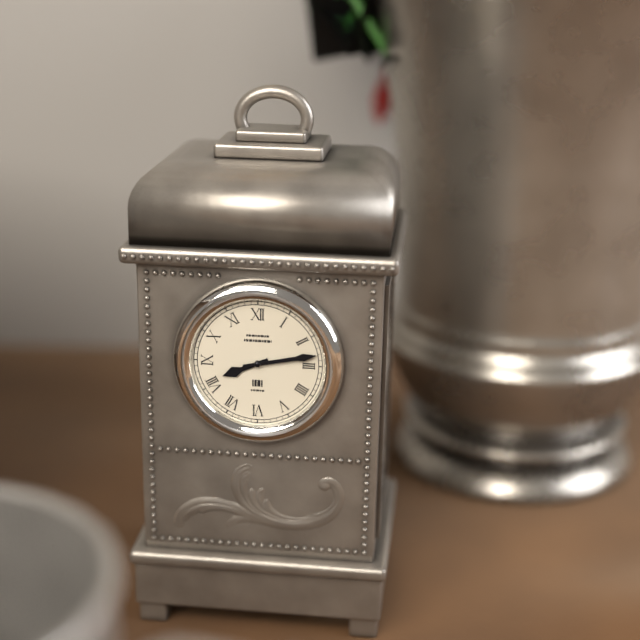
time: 8:13
